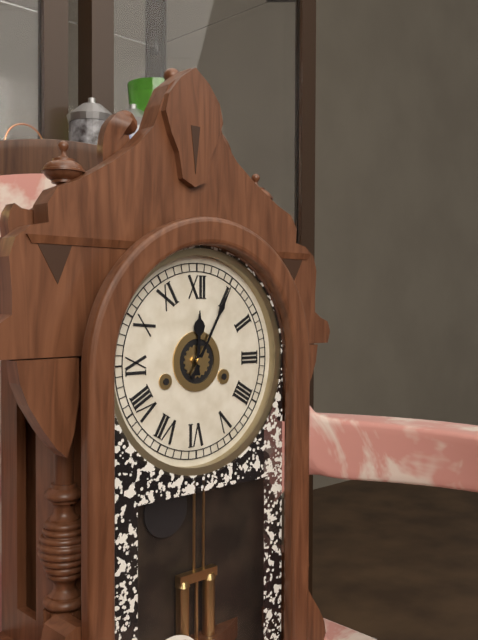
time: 12:05
